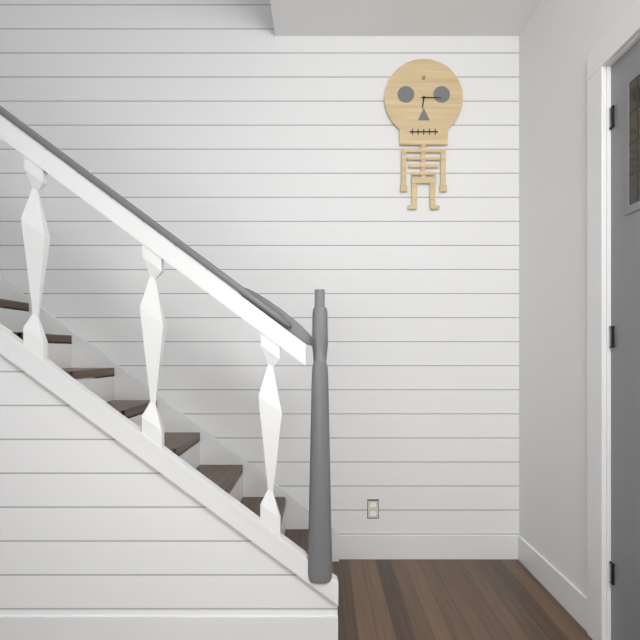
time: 6:15
